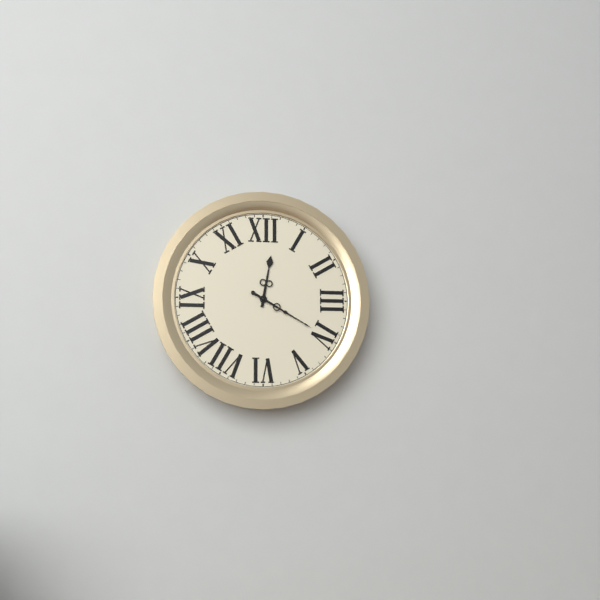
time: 12:20
